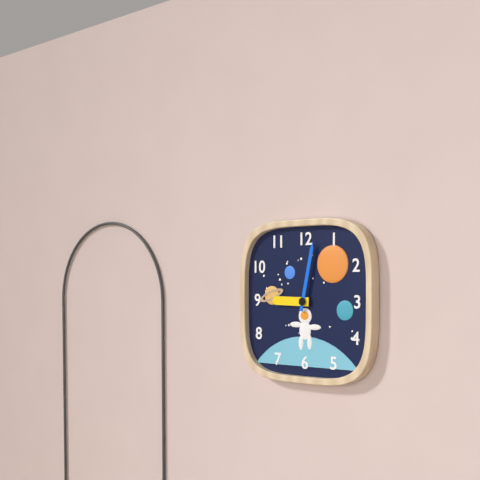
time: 9:02
